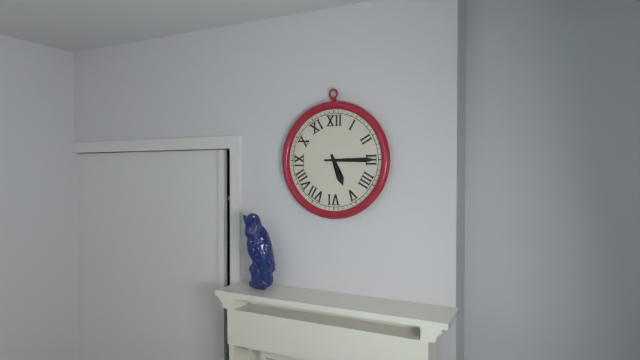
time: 5:15
